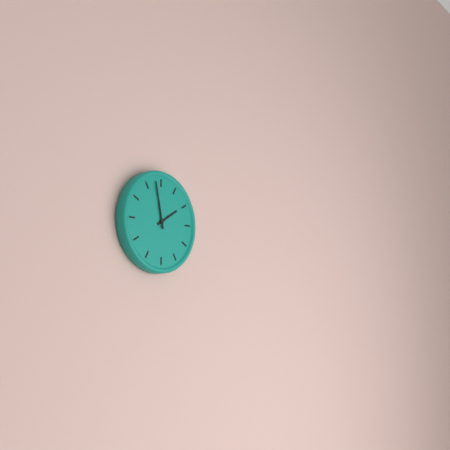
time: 1:58
